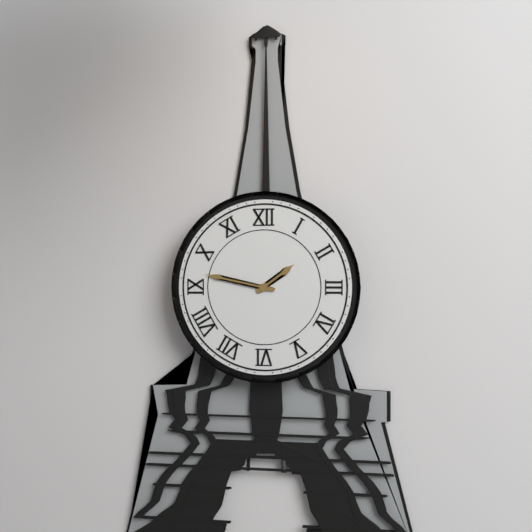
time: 1:47
